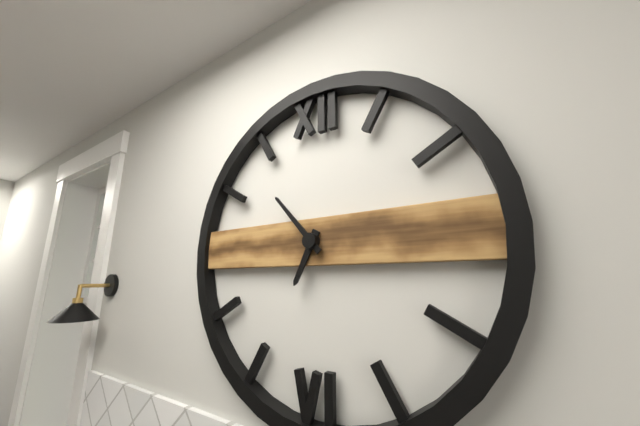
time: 6:53
